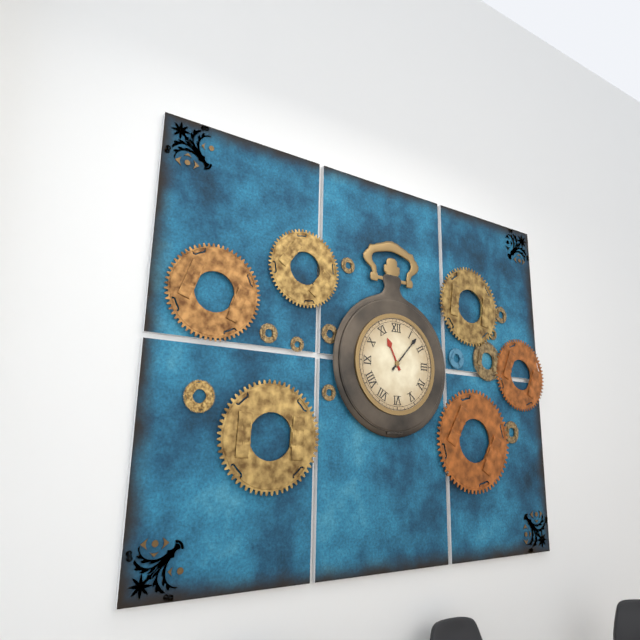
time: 11:07
